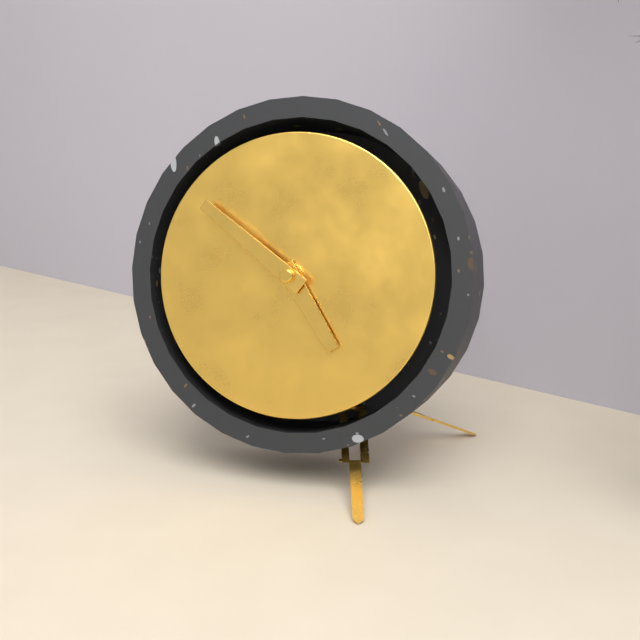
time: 4:51
